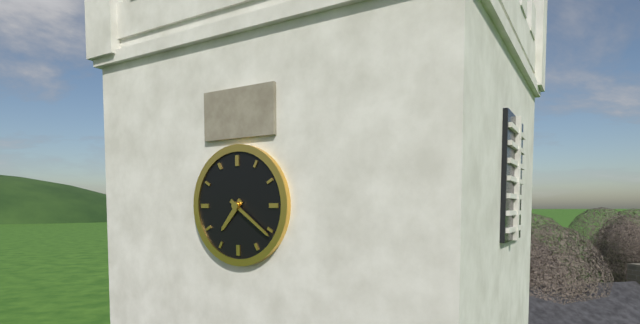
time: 7:21
